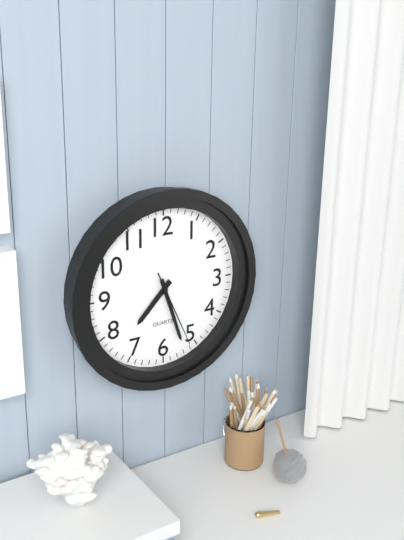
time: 7:27:26
